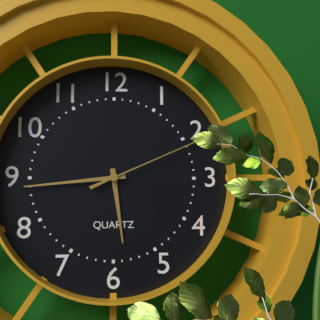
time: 5:44:11
